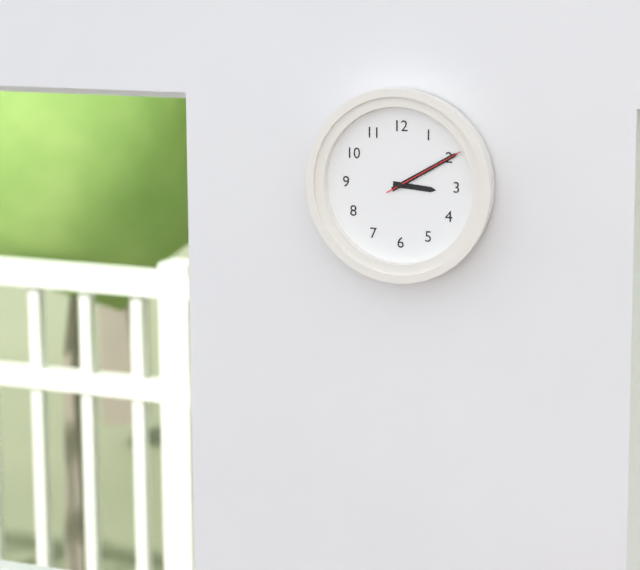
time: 3:10:10
